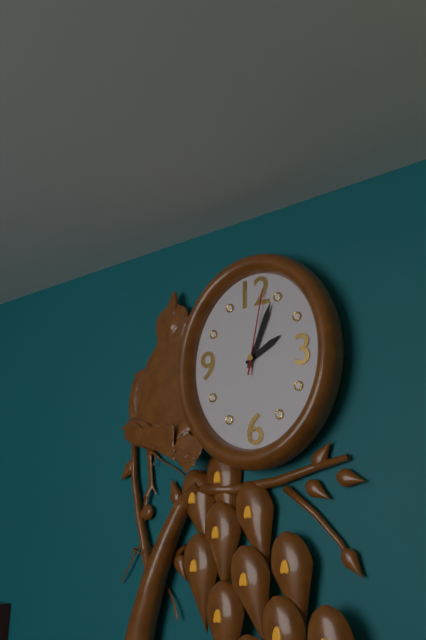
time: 2:04:02
